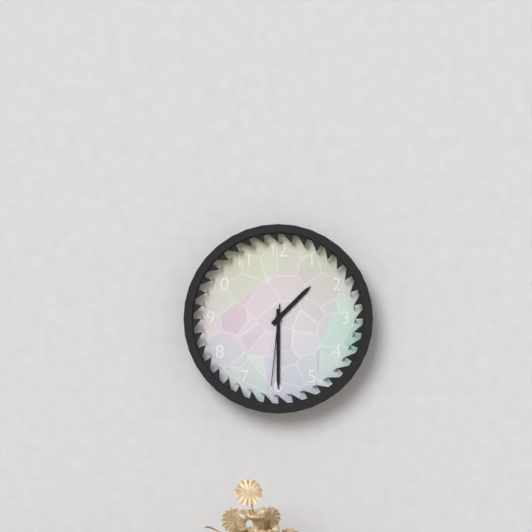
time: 1:30:31
